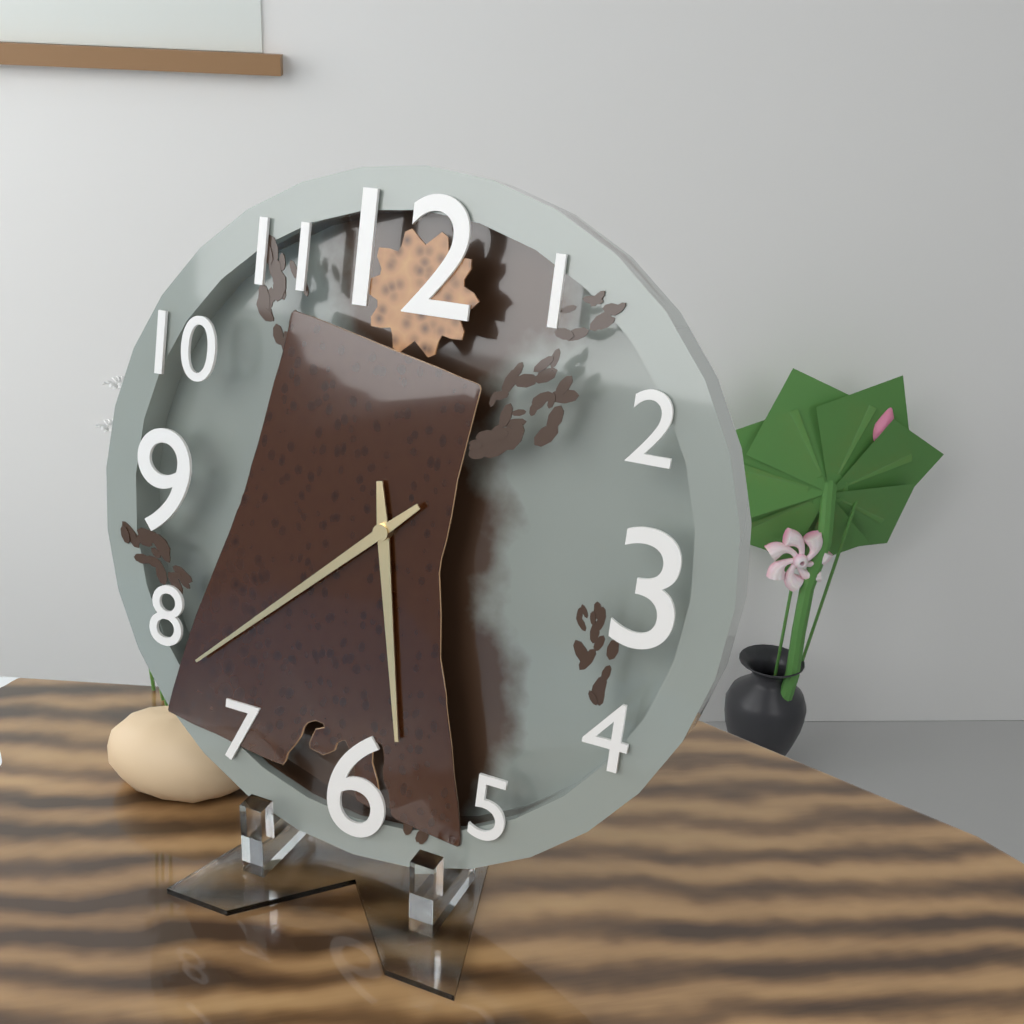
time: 5:38
